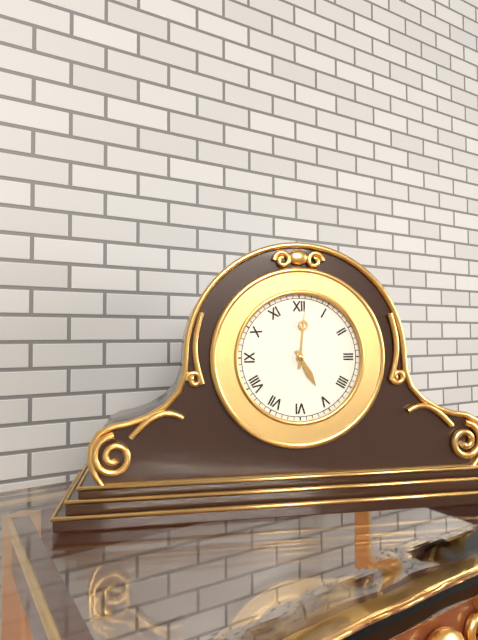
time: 5:01
